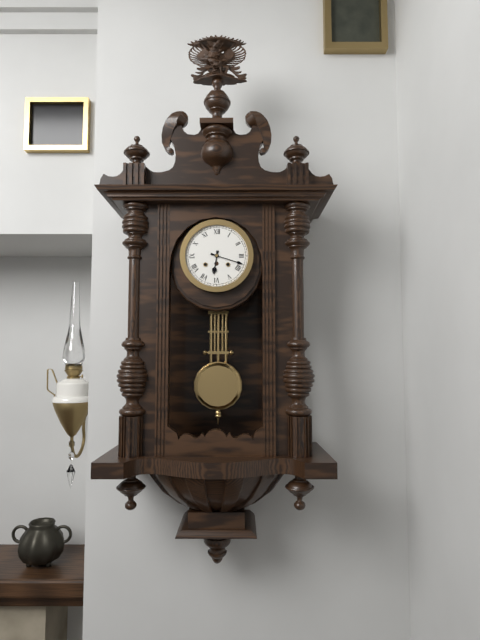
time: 6:18
